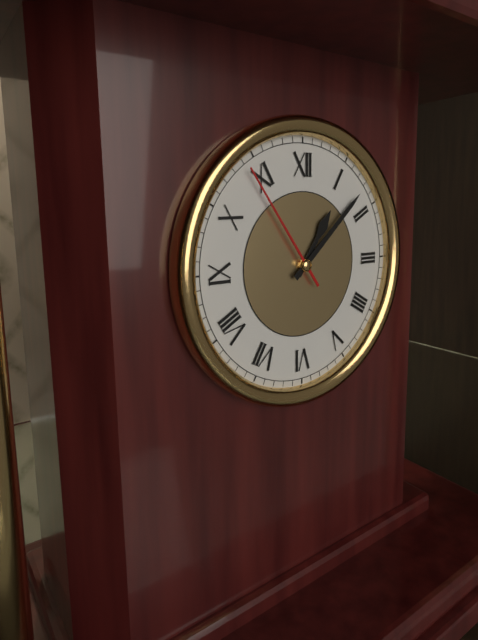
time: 1:08:54
